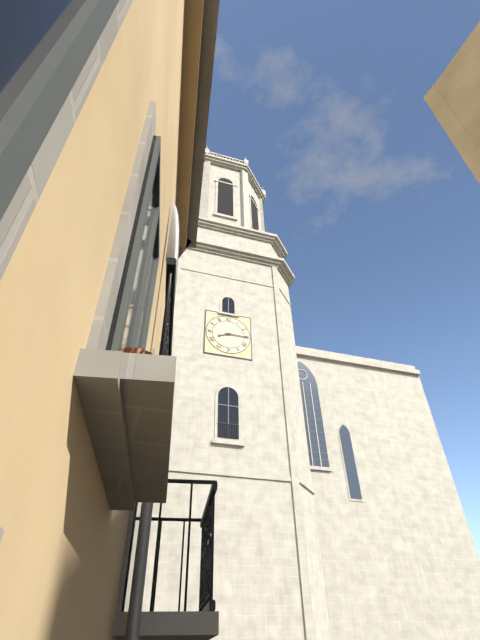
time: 8:15
